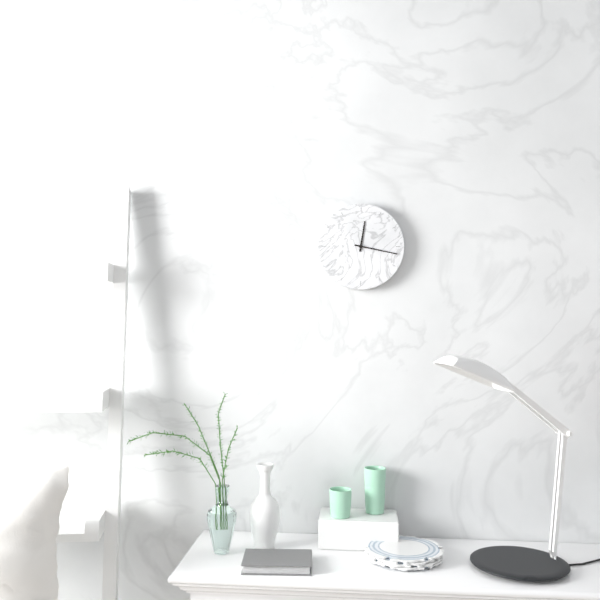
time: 12:17
